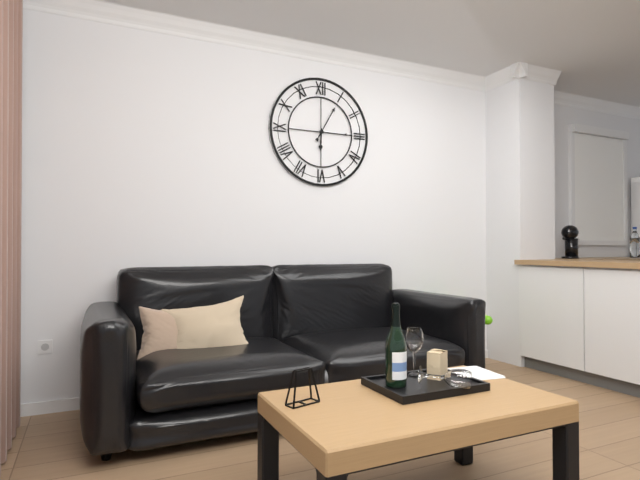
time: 6:05
